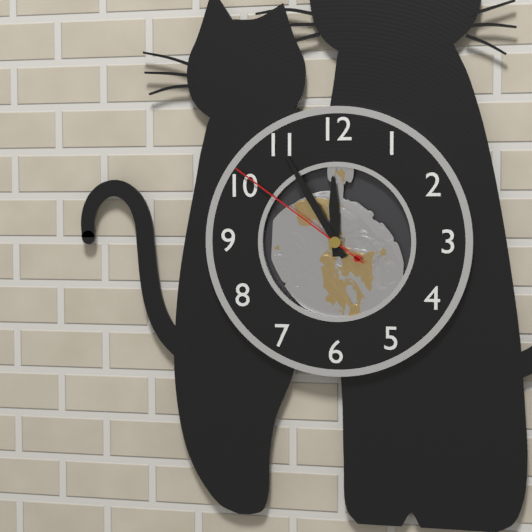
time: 11:55:51
